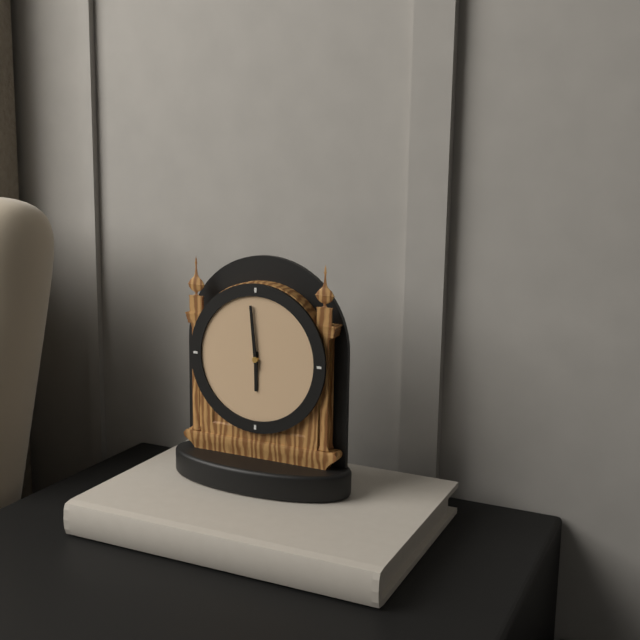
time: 5:59
